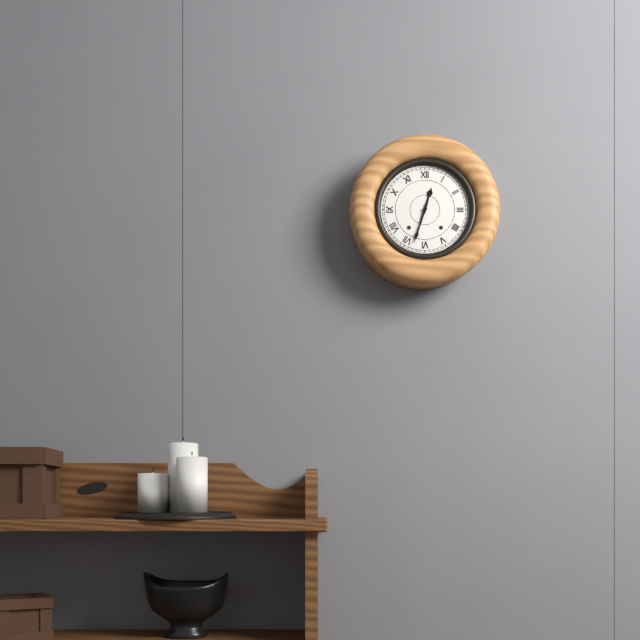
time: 12:33
